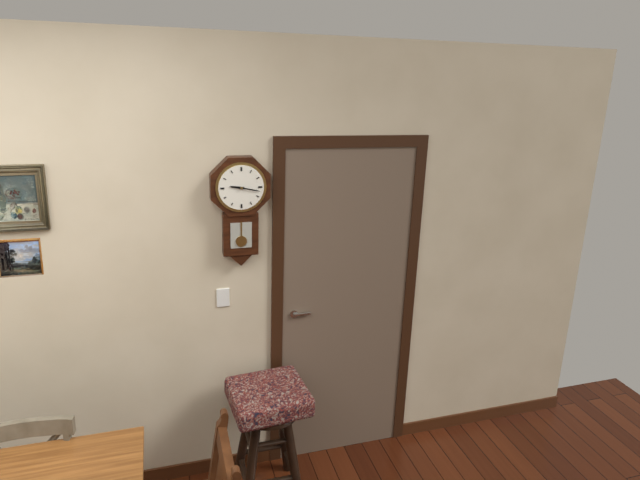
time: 9:17
